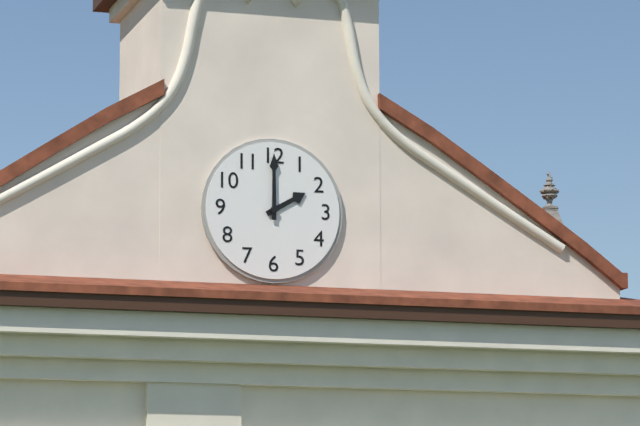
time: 2:00
